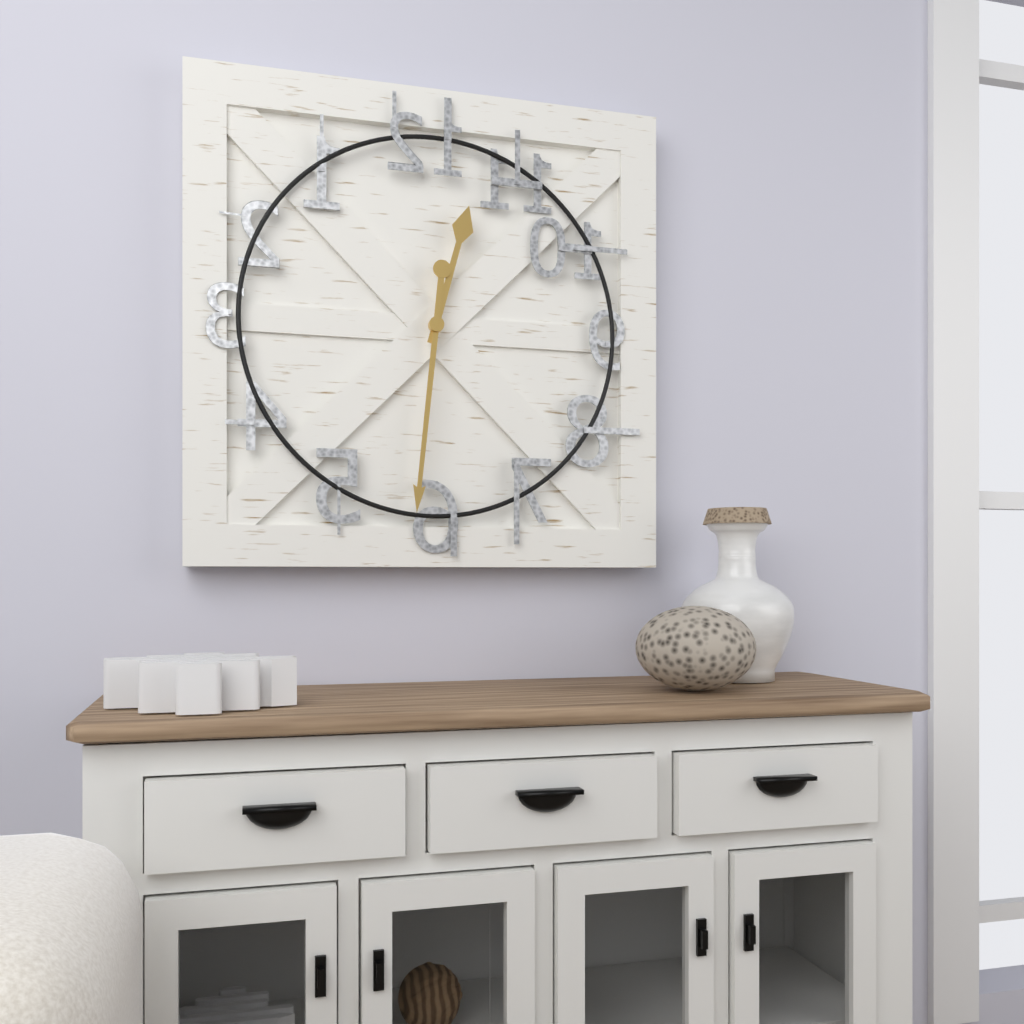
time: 12:31
